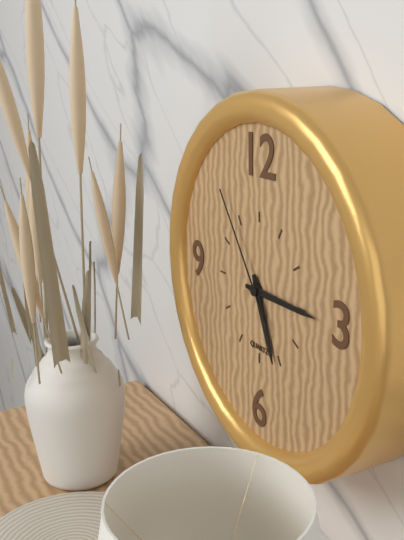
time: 5:15:54
